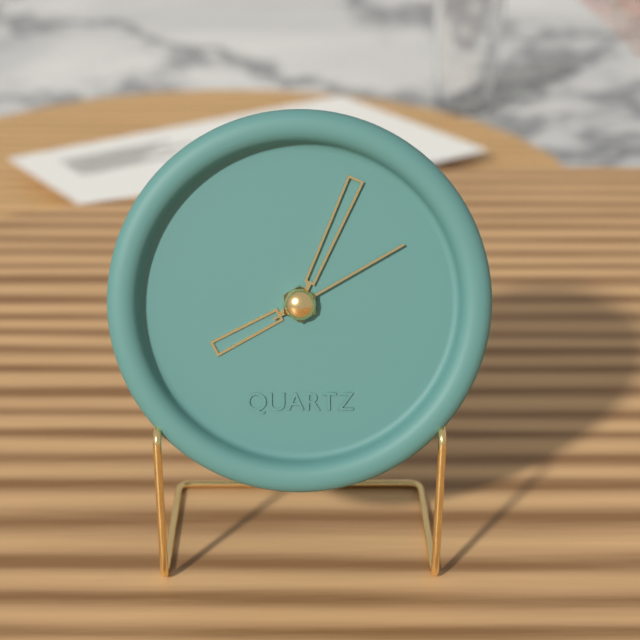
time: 8:04:10
